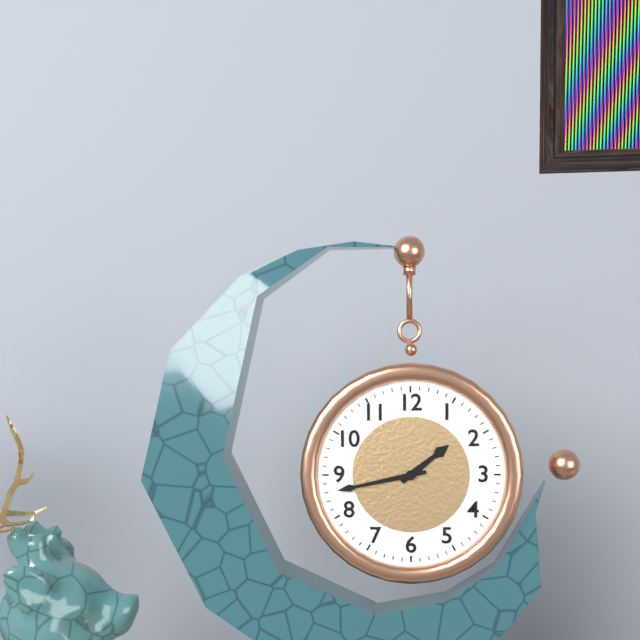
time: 1:43
